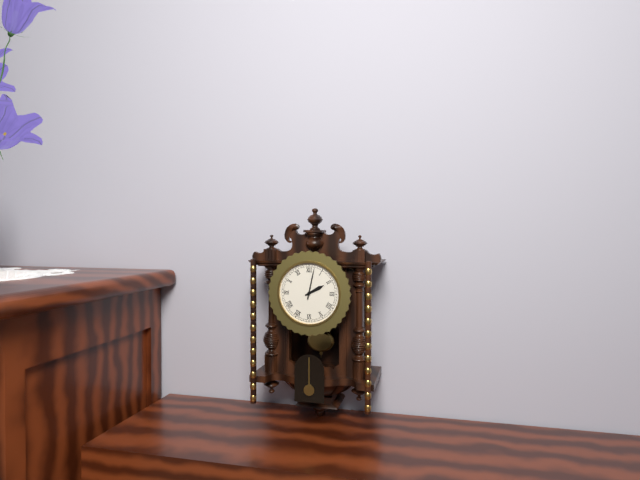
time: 2:02
